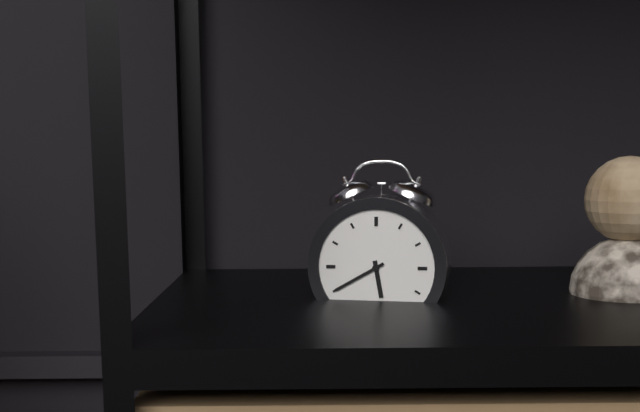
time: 5:40
